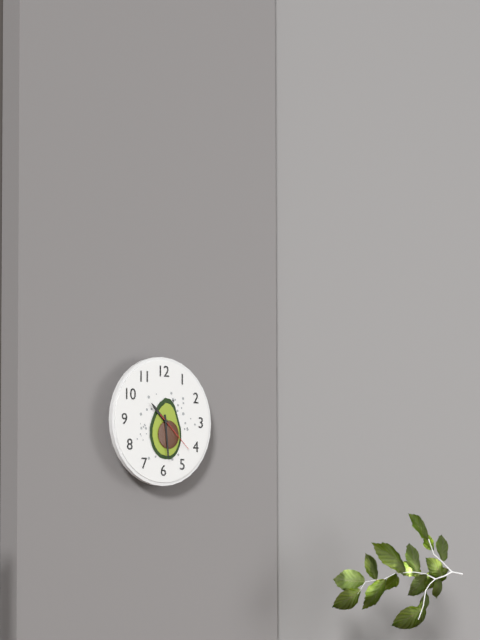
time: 10:29
